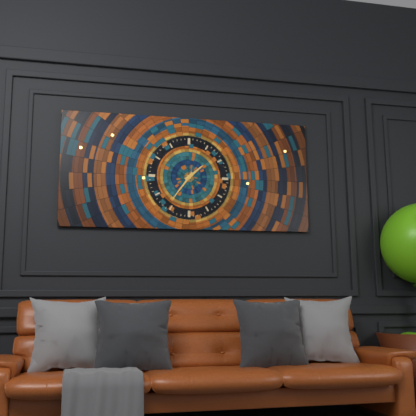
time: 1:36
